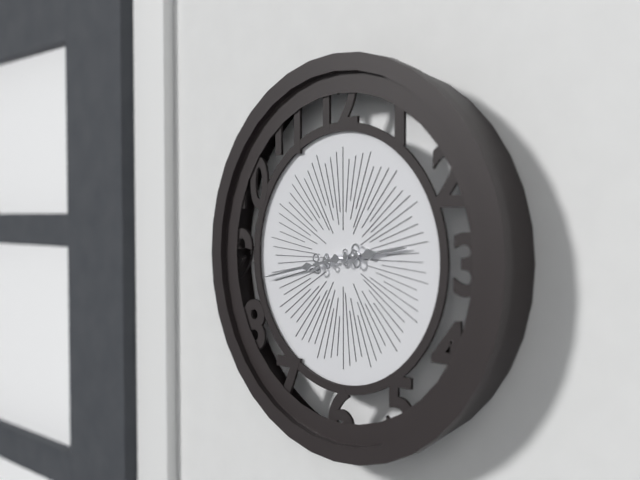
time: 2:43
